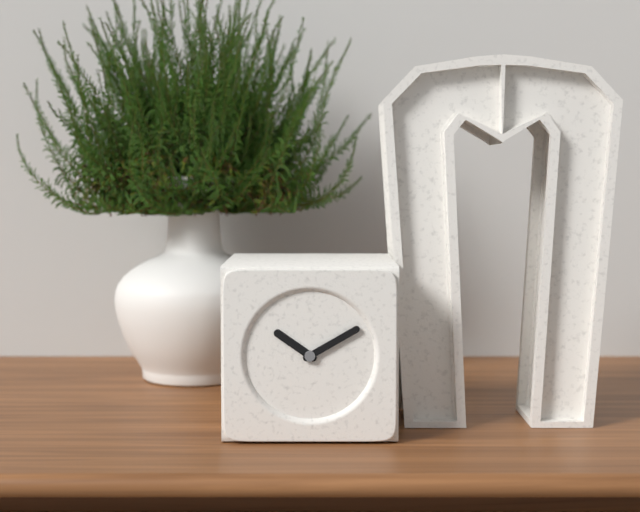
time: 10:10
